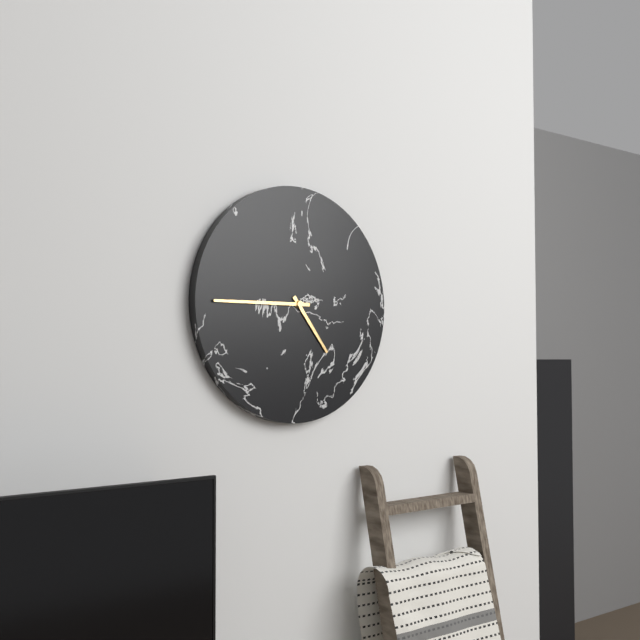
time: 4:45
